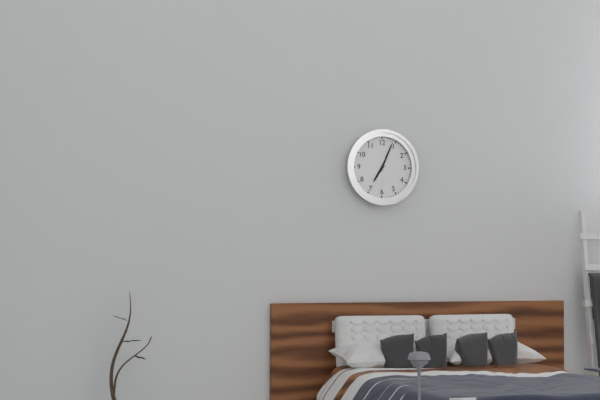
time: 7:04
